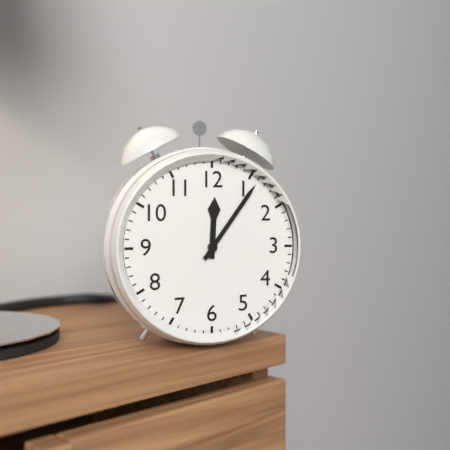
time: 12:06
